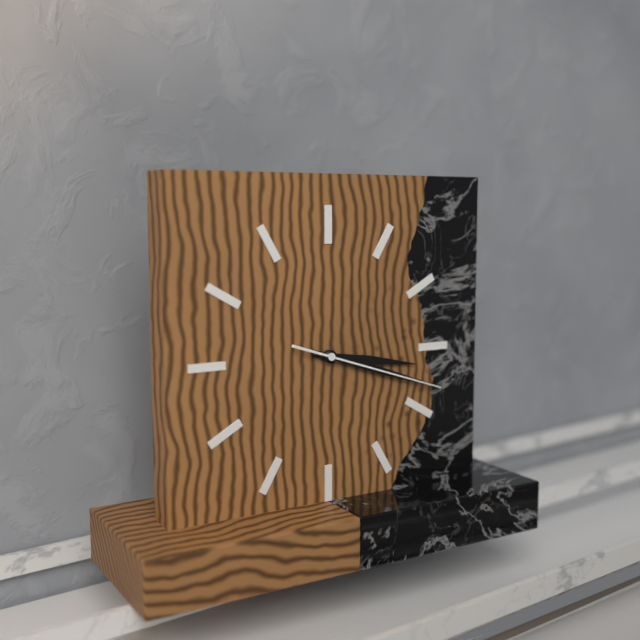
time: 3:18:18
